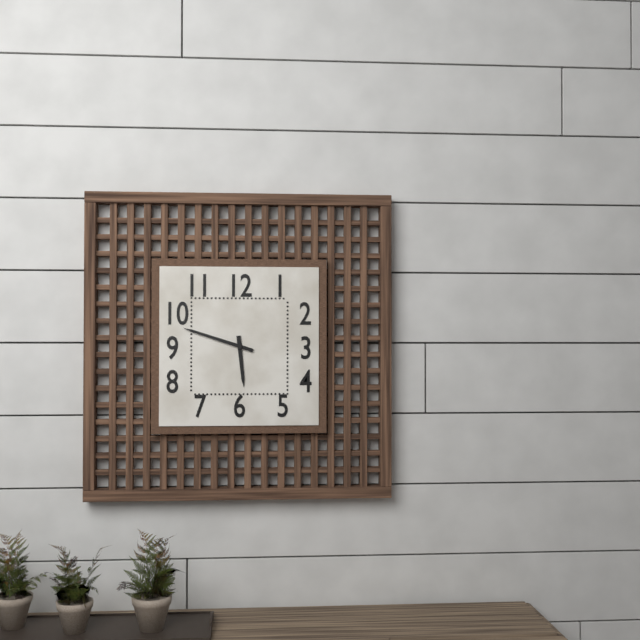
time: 5:48
